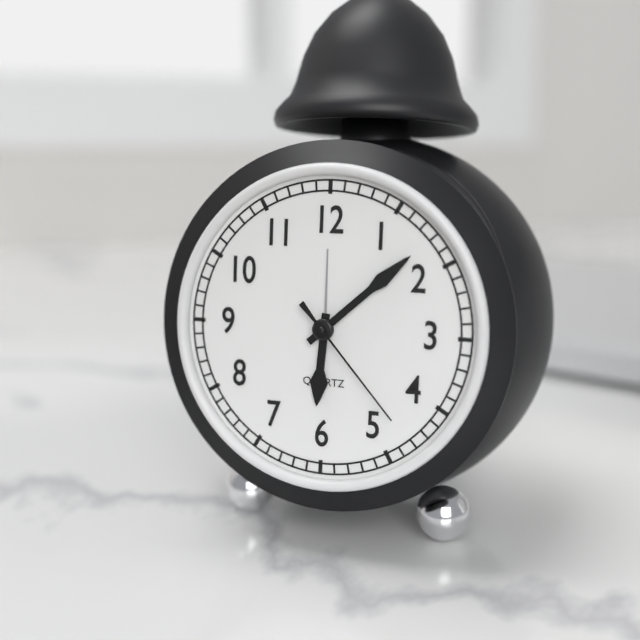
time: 6:08:23
